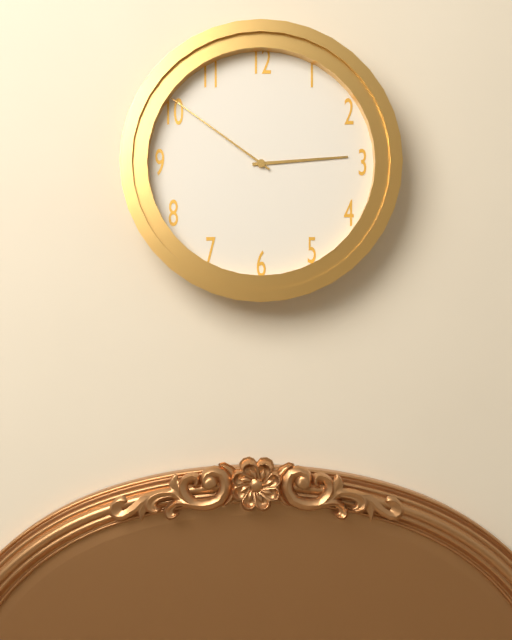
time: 2:51
